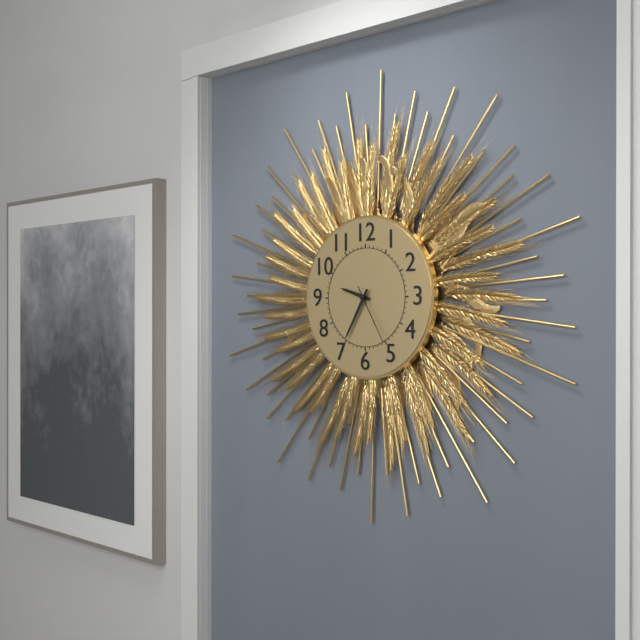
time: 9:35:25
